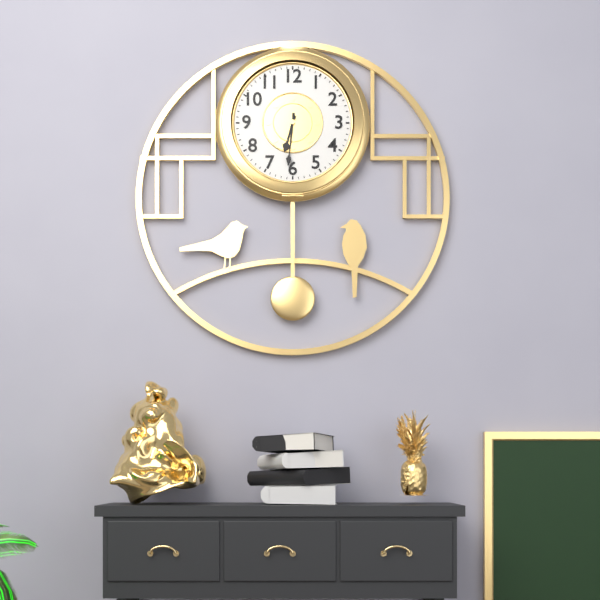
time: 6:31
